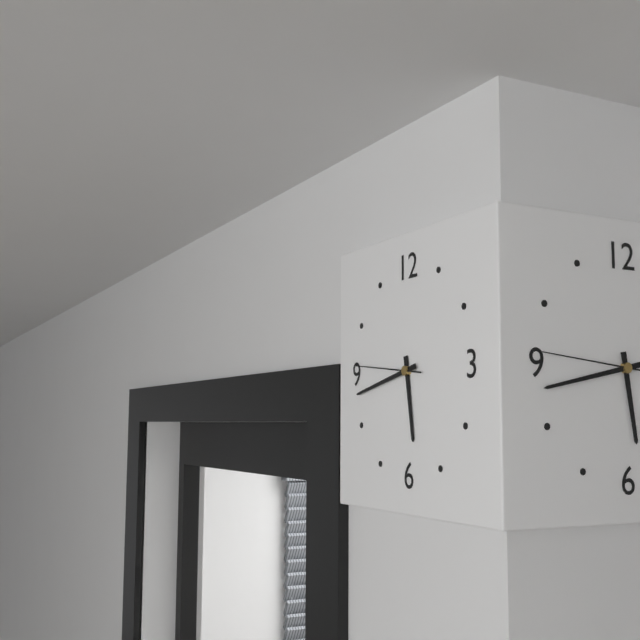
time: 5:43:46
